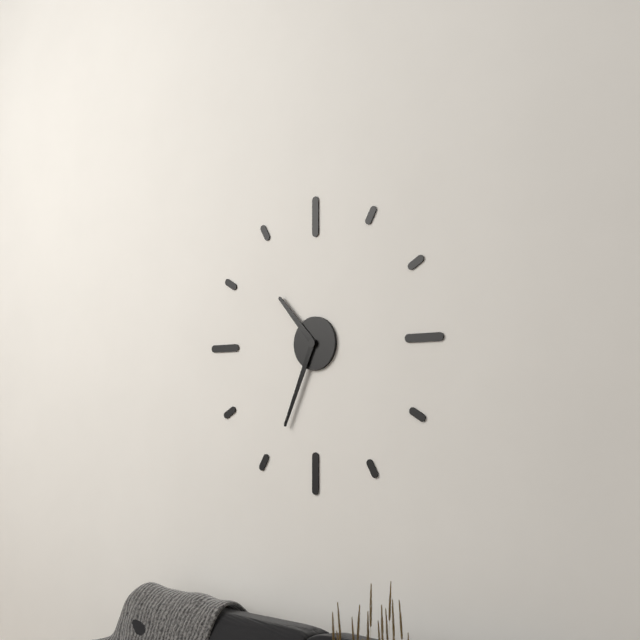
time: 10:34
